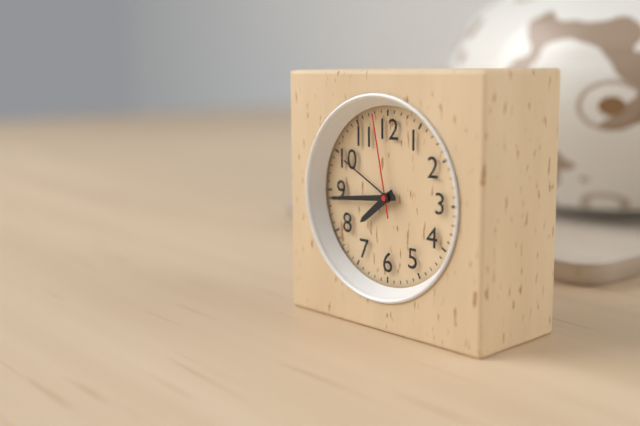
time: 7:44:58
